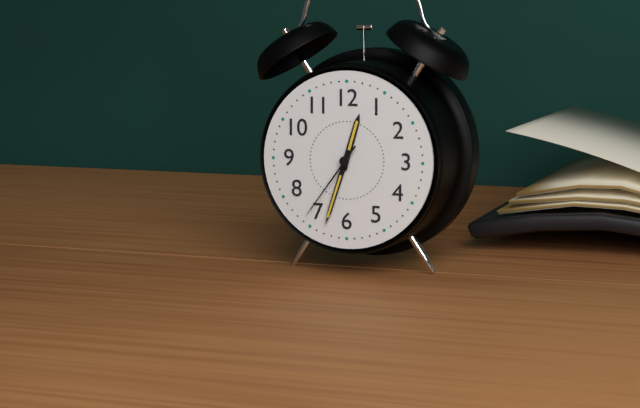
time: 12:33:36
